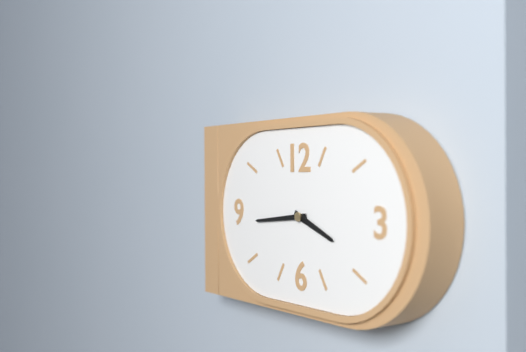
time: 3:44
